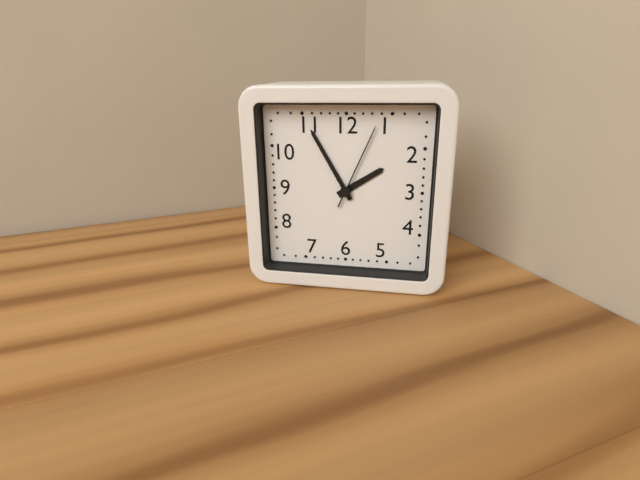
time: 1:55:04
